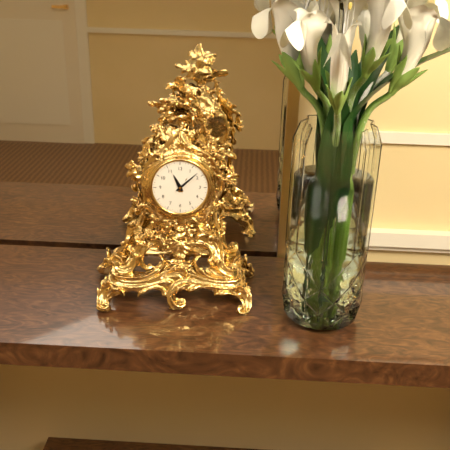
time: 11:08
